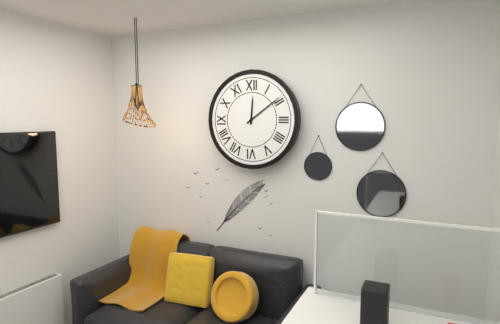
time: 12:09
